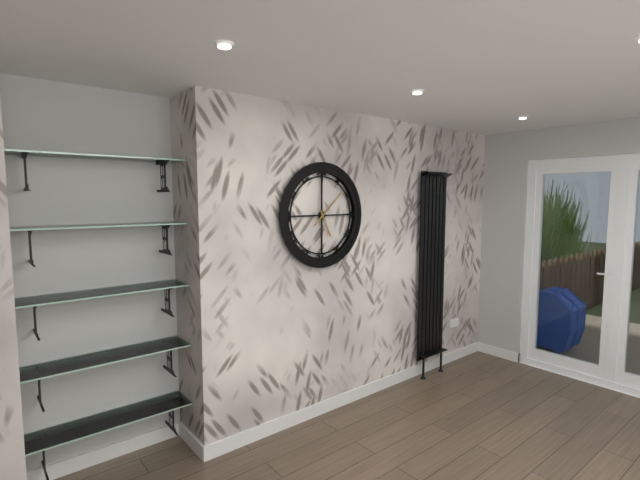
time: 5:08
